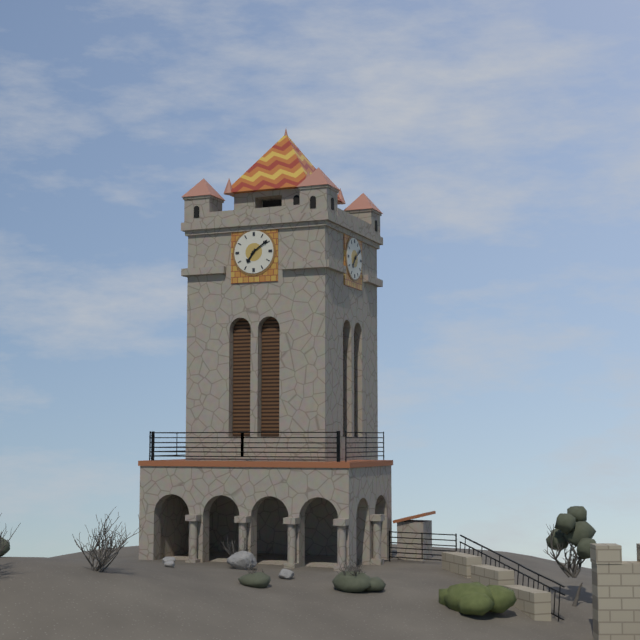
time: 7:09
